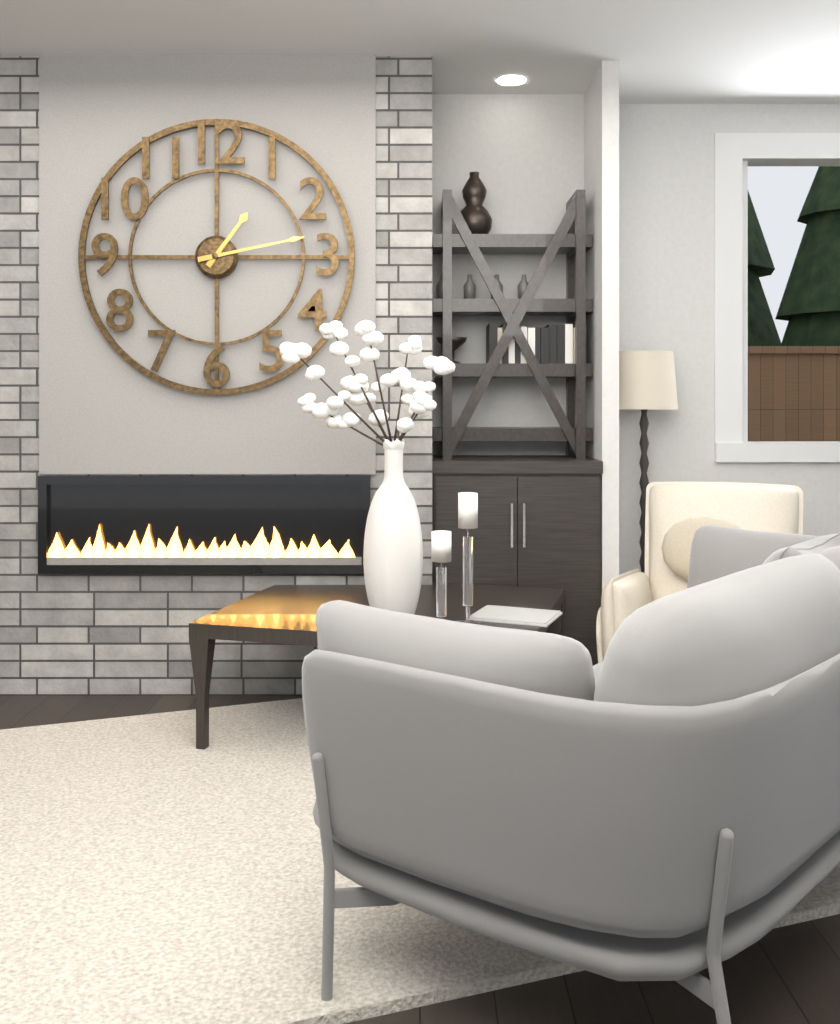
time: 1:13
